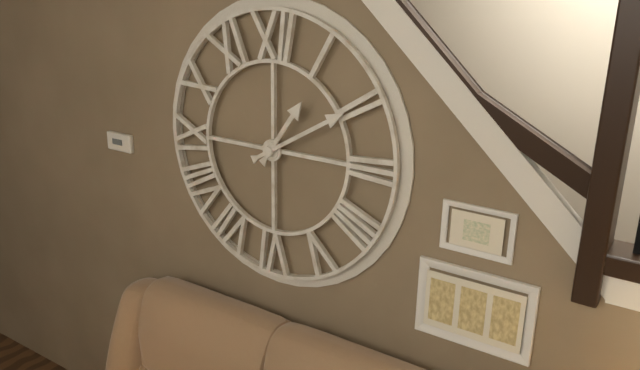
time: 1:10
